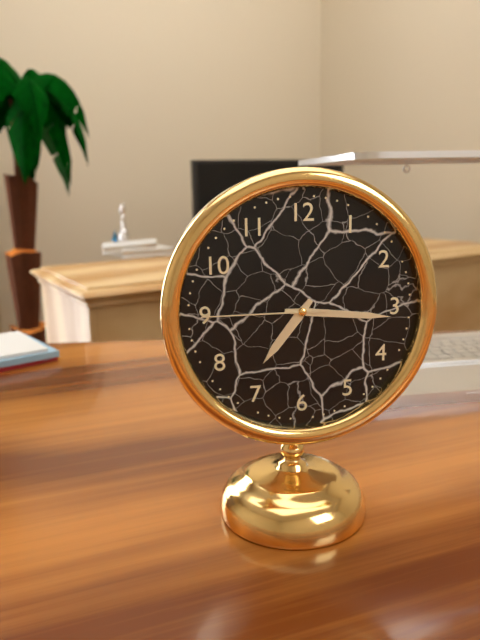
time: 7:16:45
